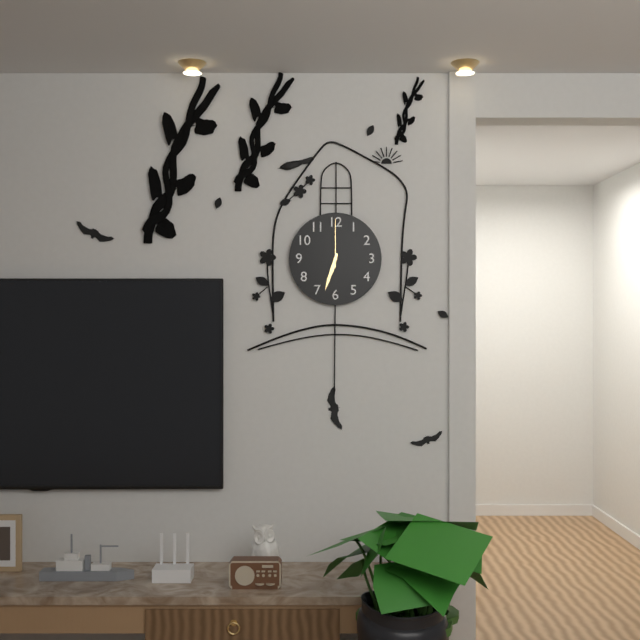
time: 6:33:00
